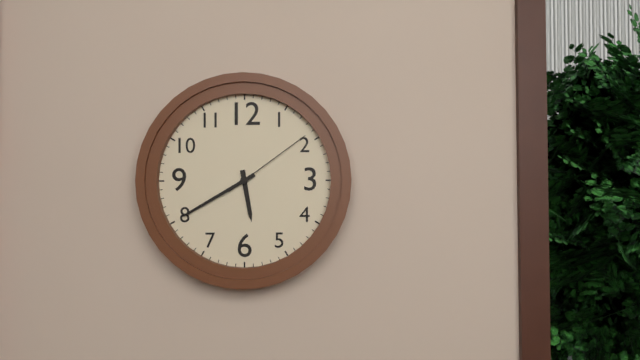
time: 5:40:09
